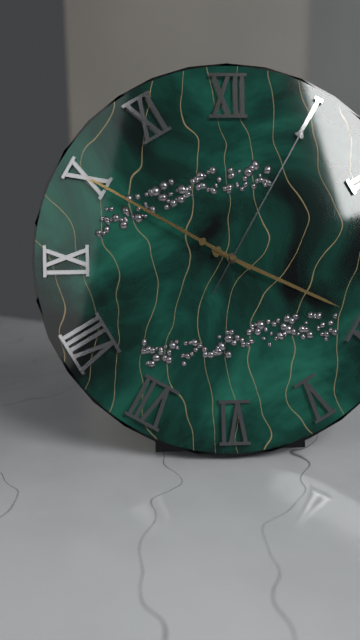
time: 3:50:05
